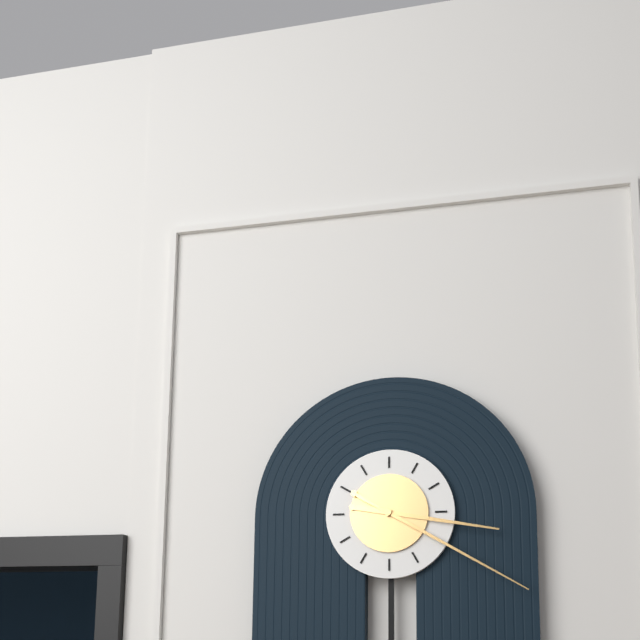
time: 3:20
